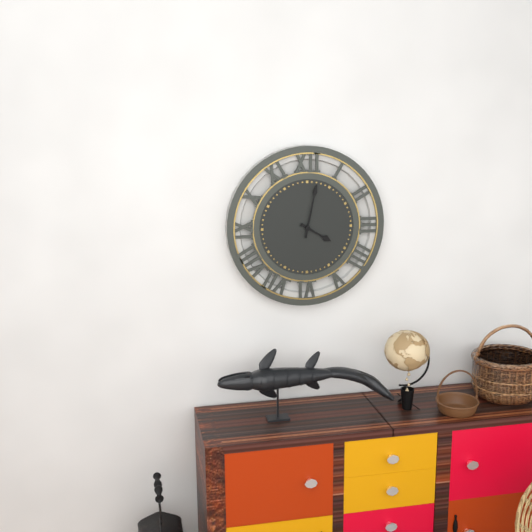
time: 4:02
